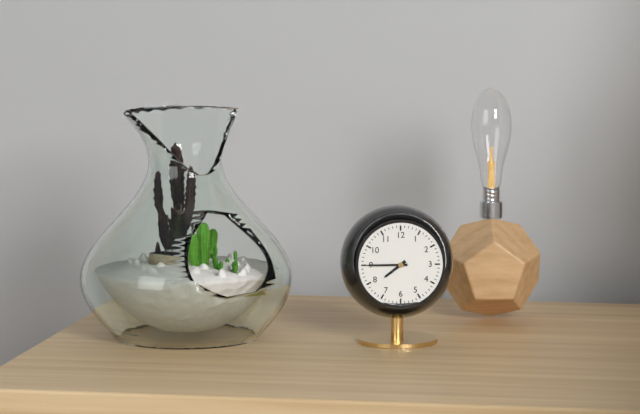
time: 7:45
